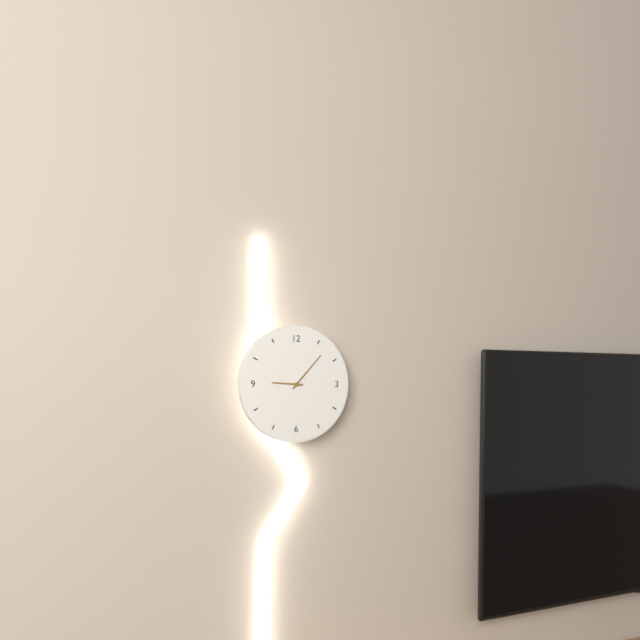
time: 9:07
